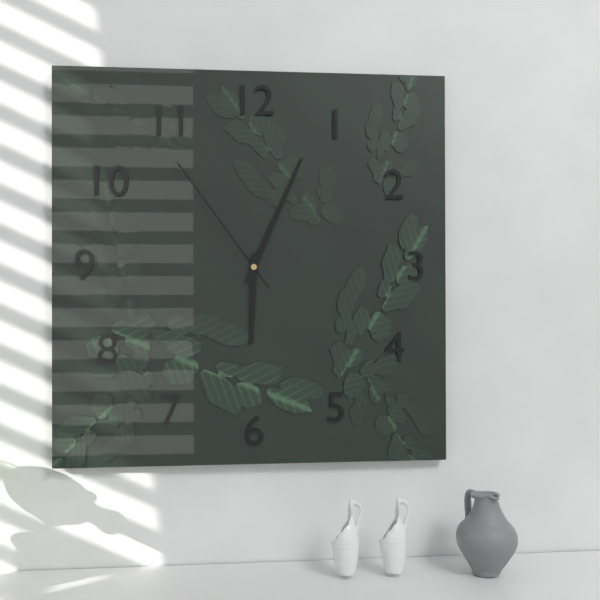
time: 6:04:54
